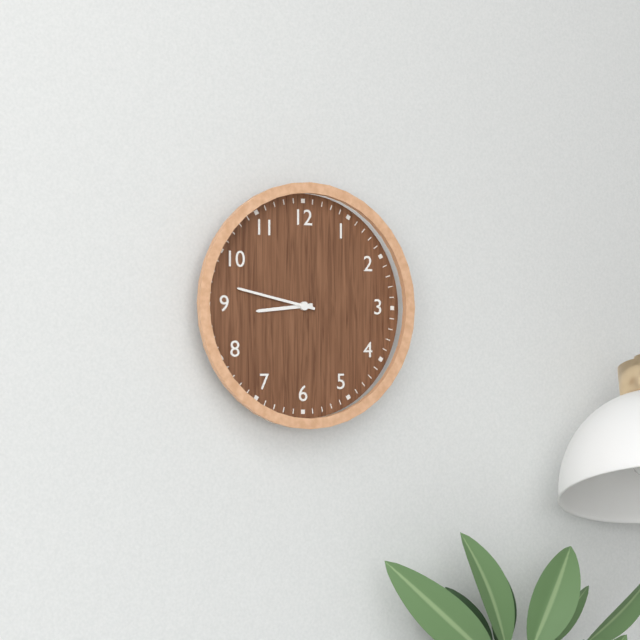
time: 8:47
